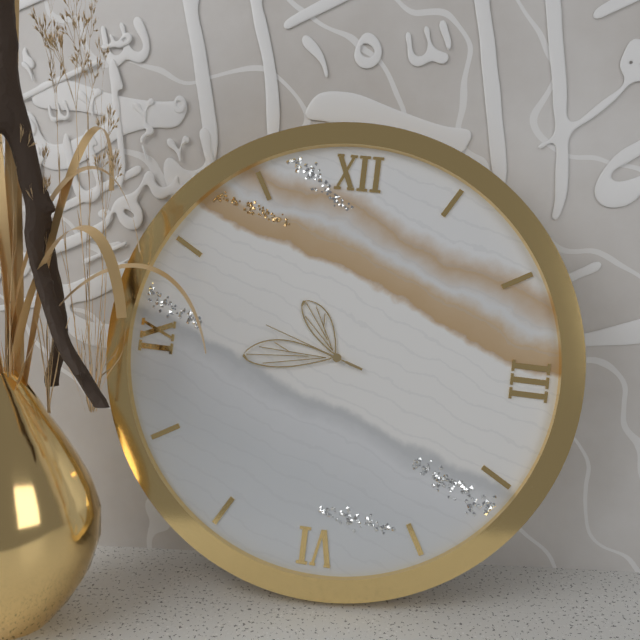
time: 10:44:48
